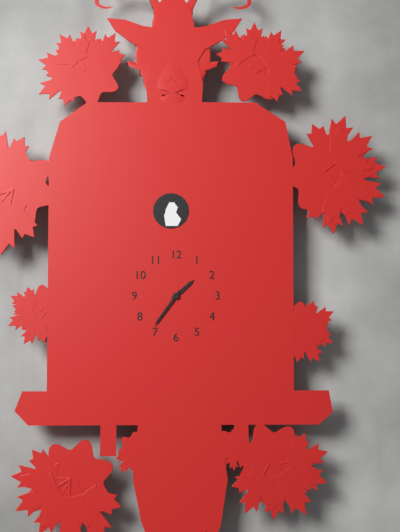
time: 1:36
